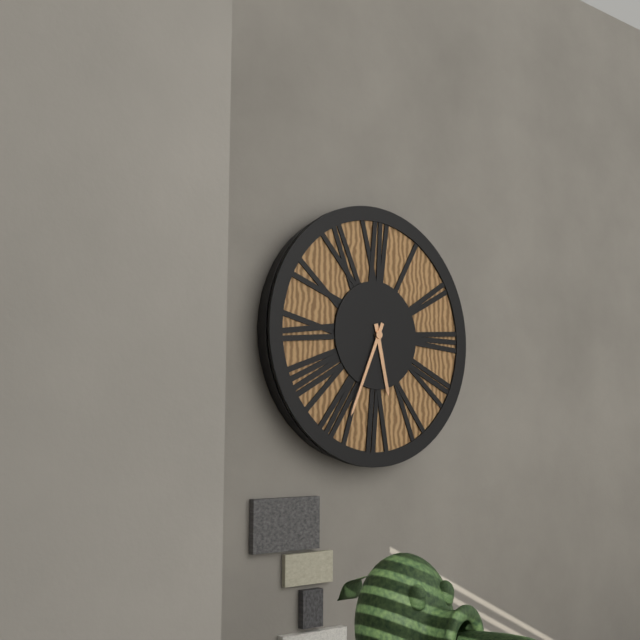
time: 5:34
